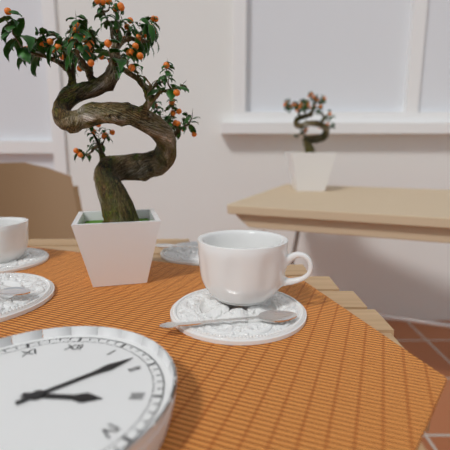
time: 3:08
